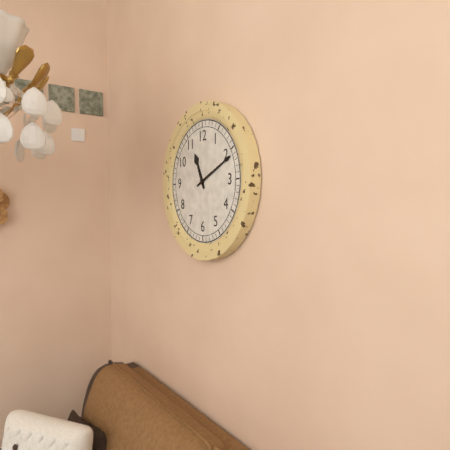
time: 11:11
